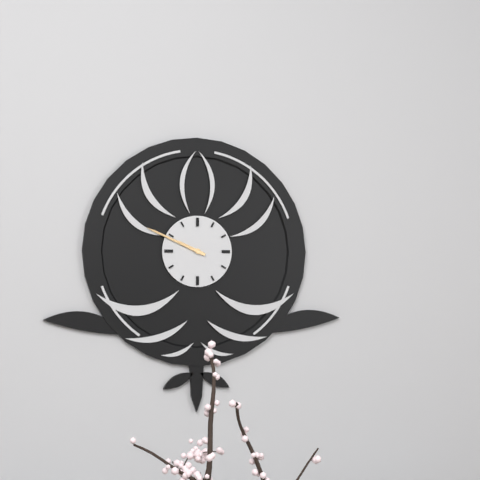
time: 9:49
